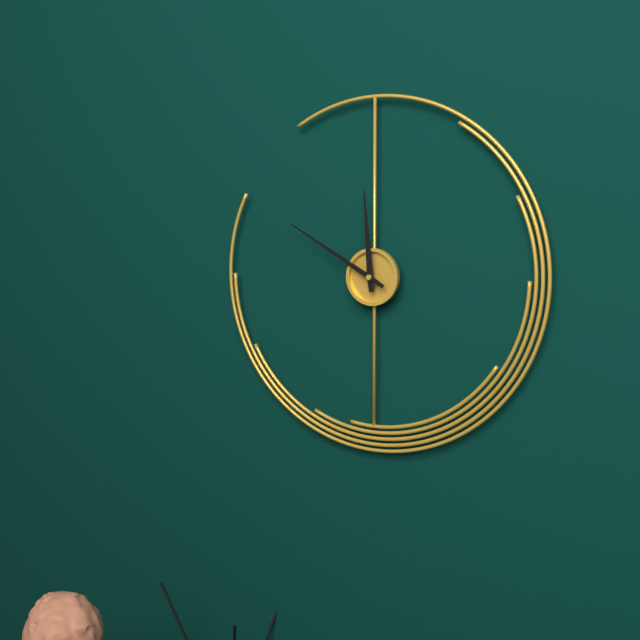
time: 11:50
